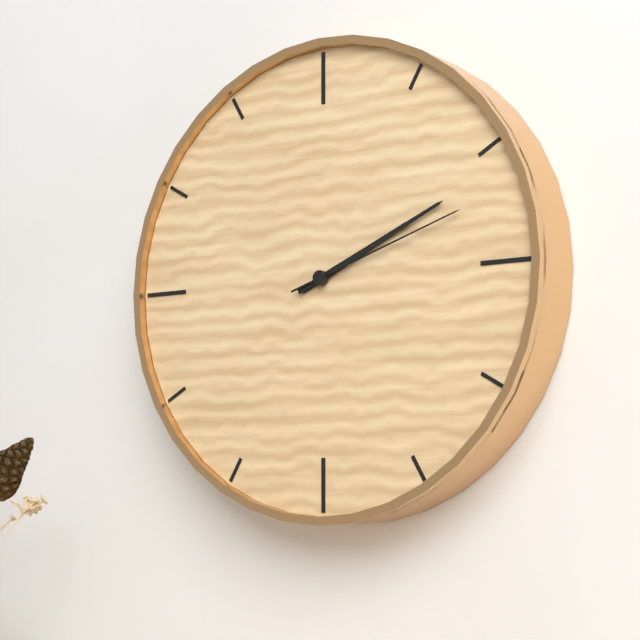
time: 2:11:12
